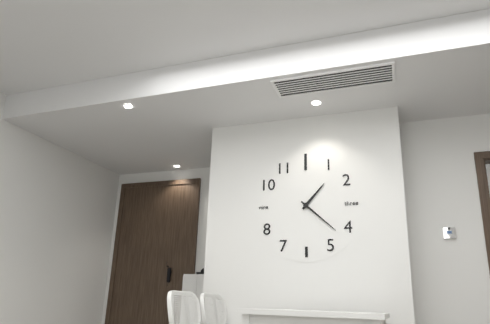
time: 1:22
